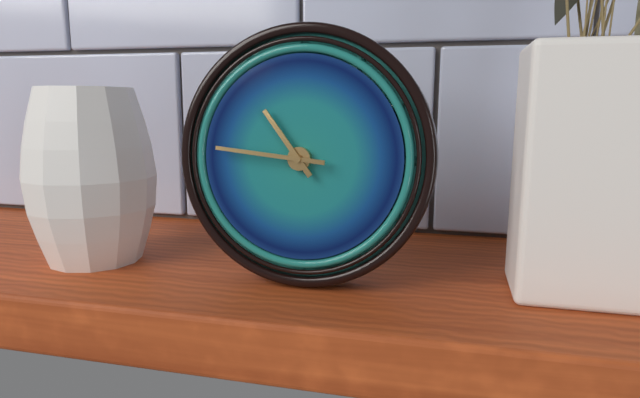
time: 10:46
